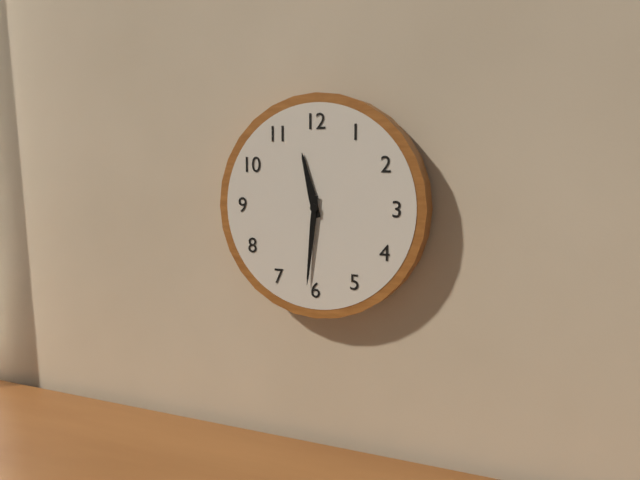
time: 11:31
